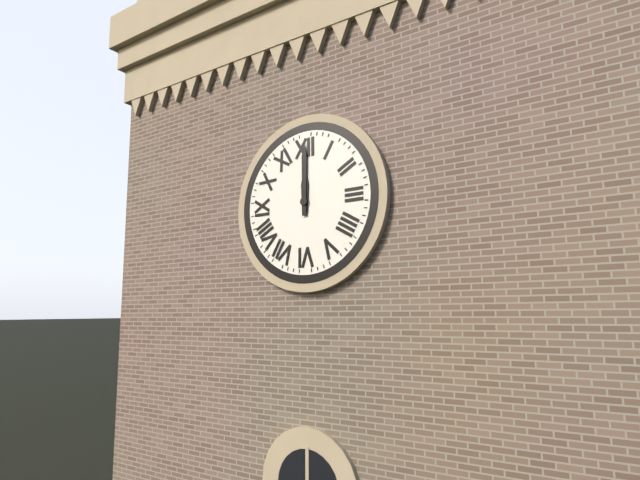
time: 12:00
